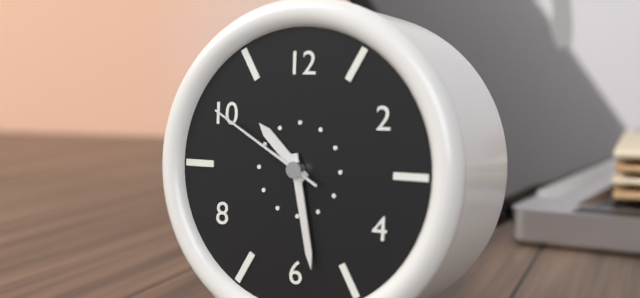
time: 10:28:50
